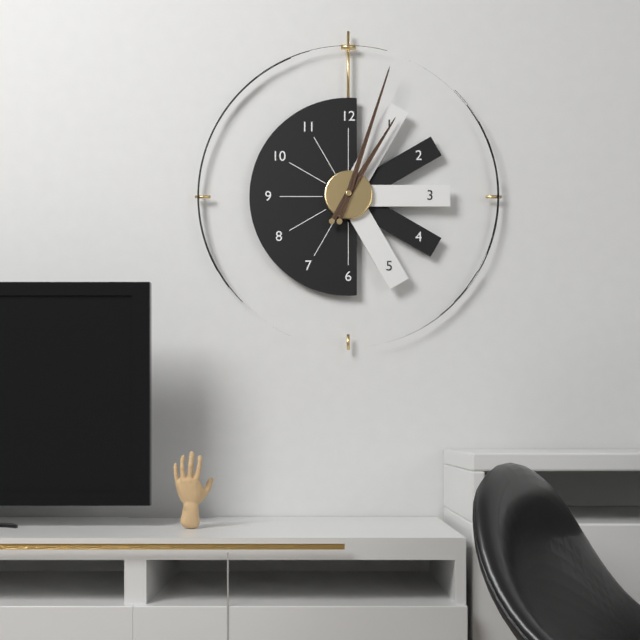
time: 1:03
